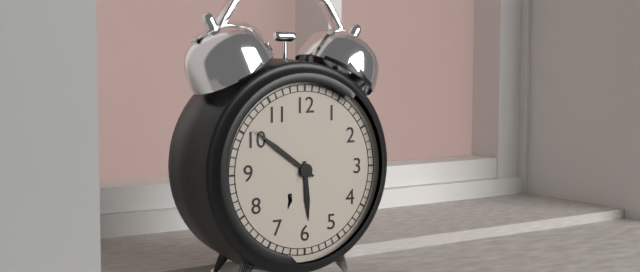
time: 5:51
